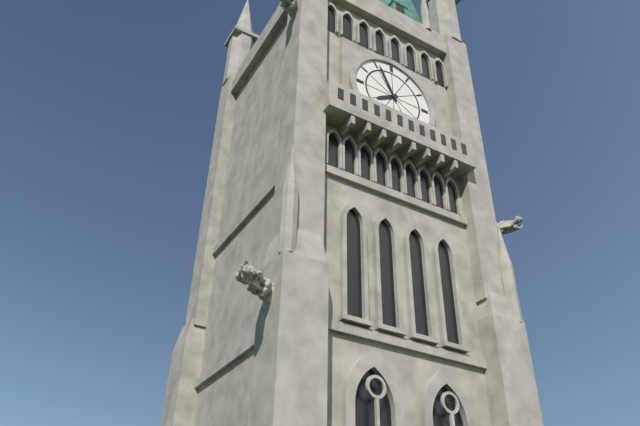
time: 7:56
